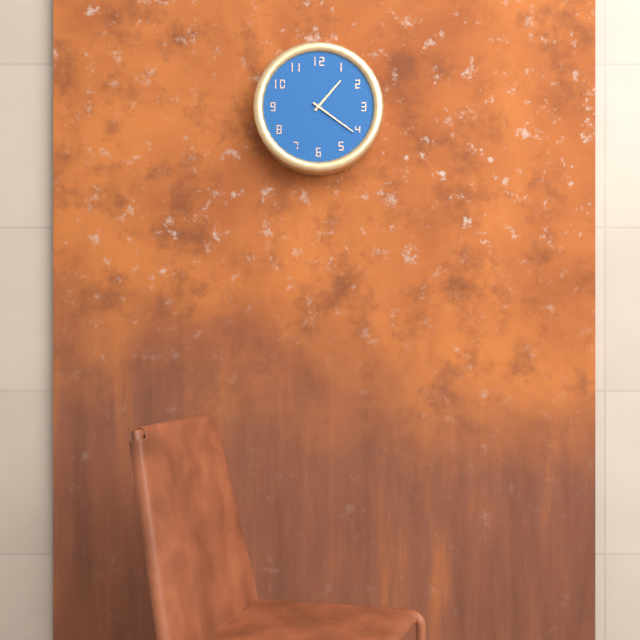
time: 1:21
